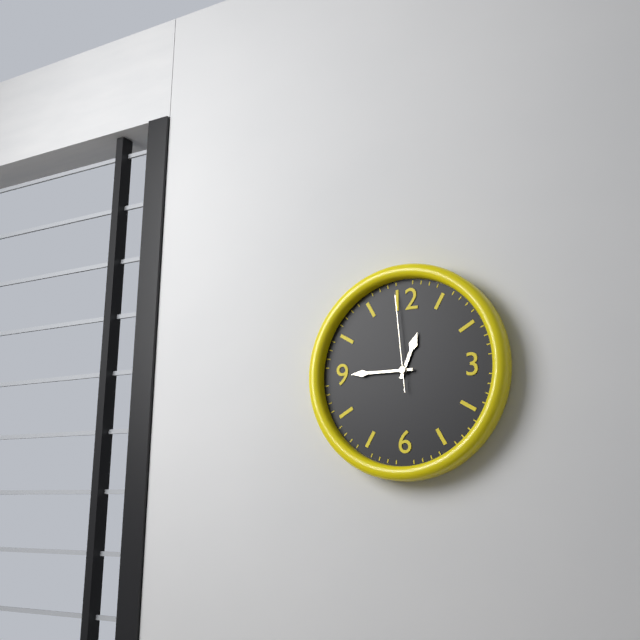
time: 12:45:59
